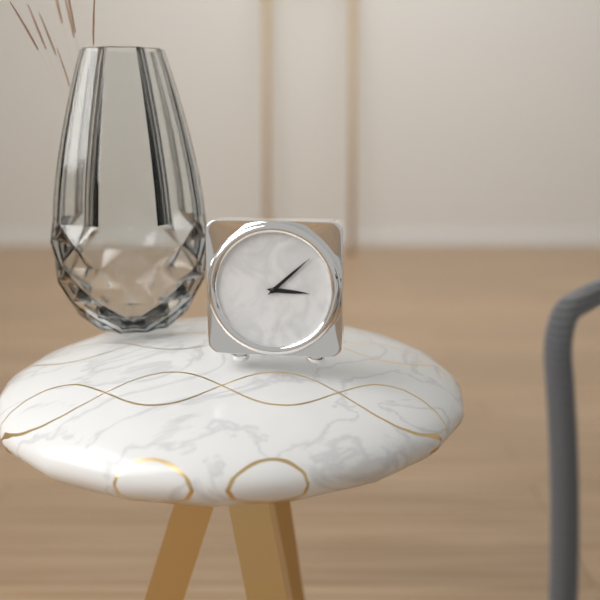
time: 3:08
